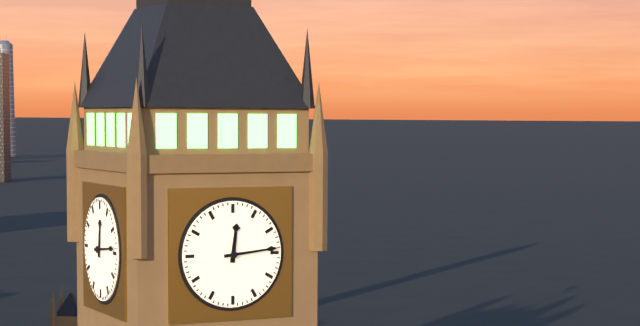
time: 12:14
